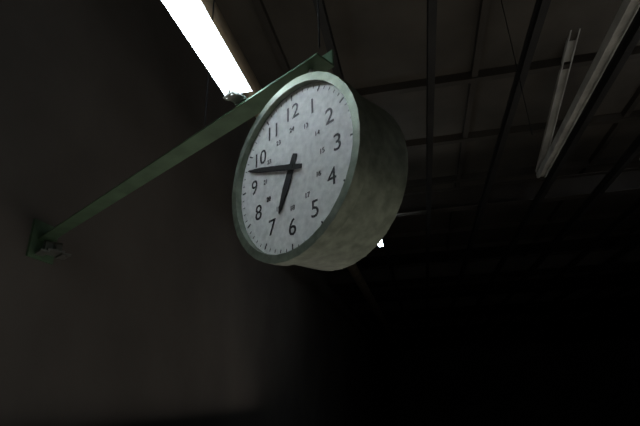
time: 6:48
